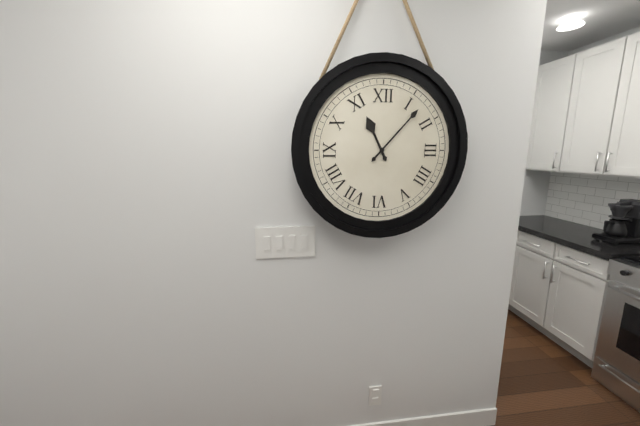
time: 11:07
